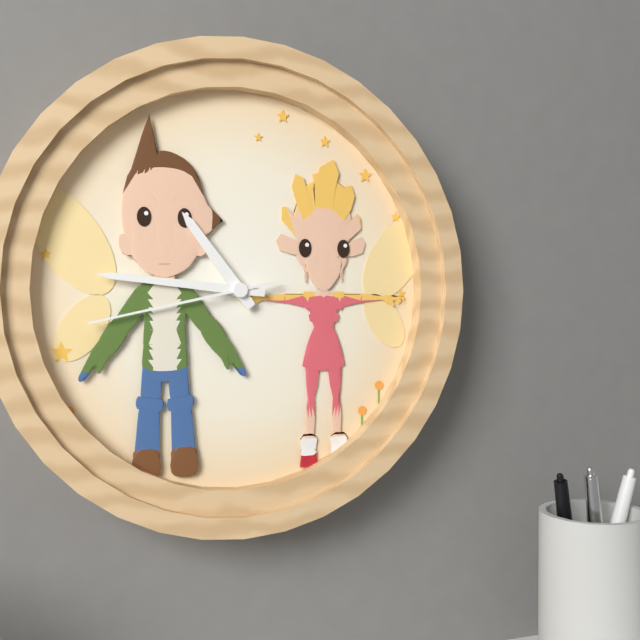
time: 10:46:43
